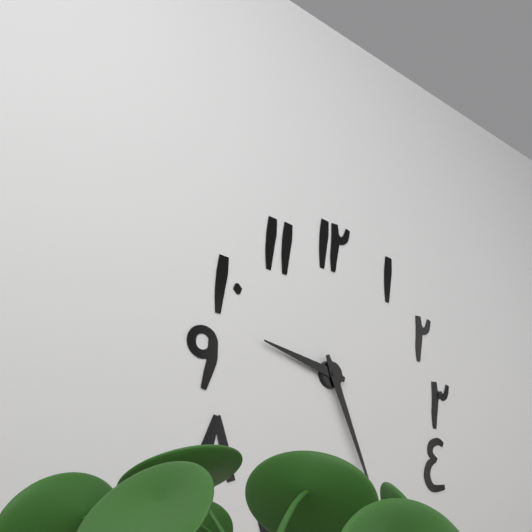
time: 9:26
